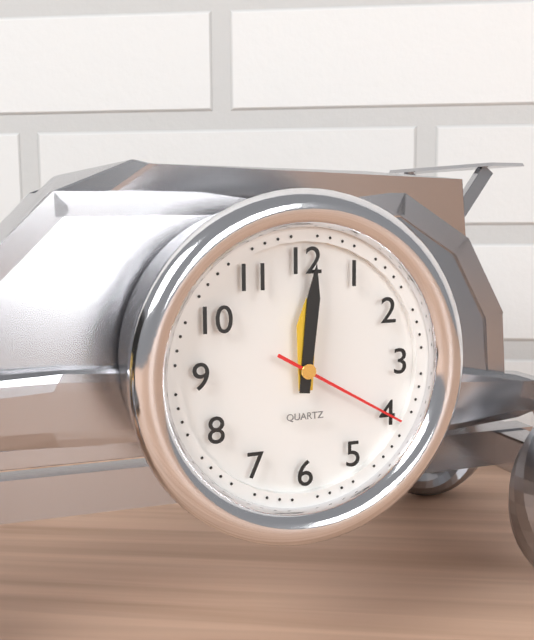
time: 12:01:20
